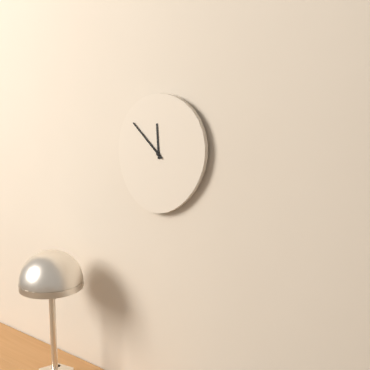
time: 11:52
